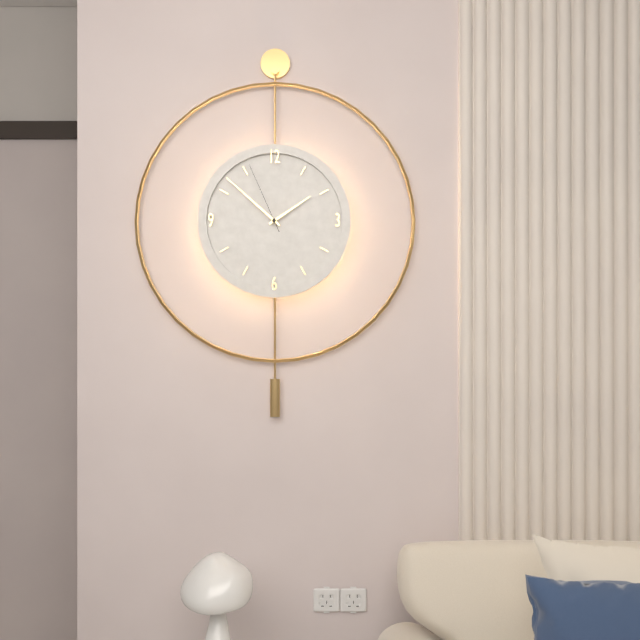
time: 1:52:56
